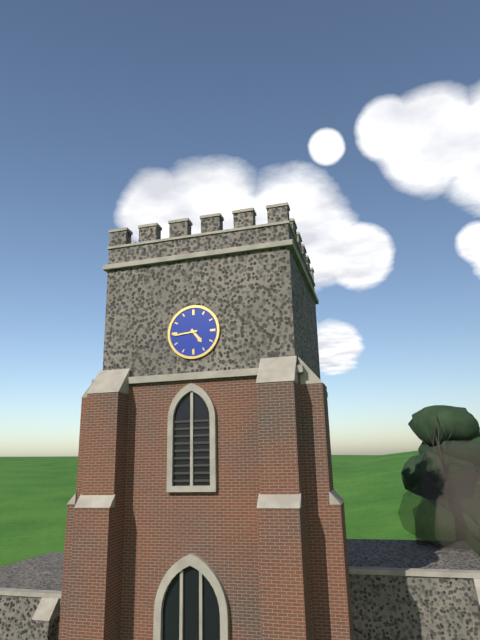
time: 4:44
